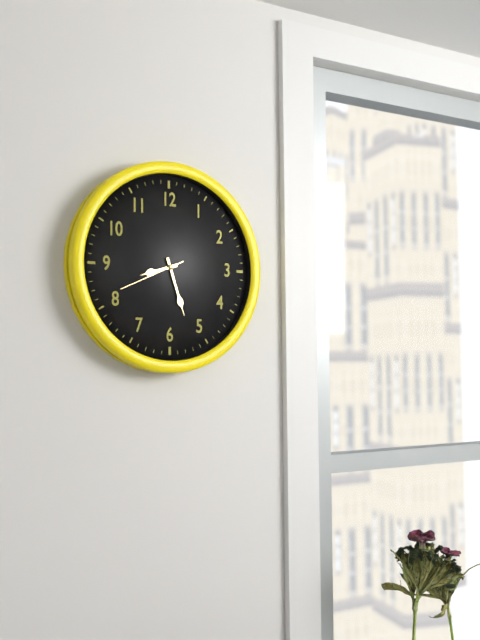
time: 8:27:41
